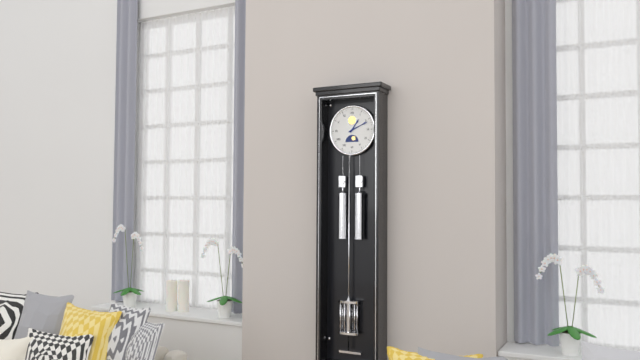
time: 1:11
